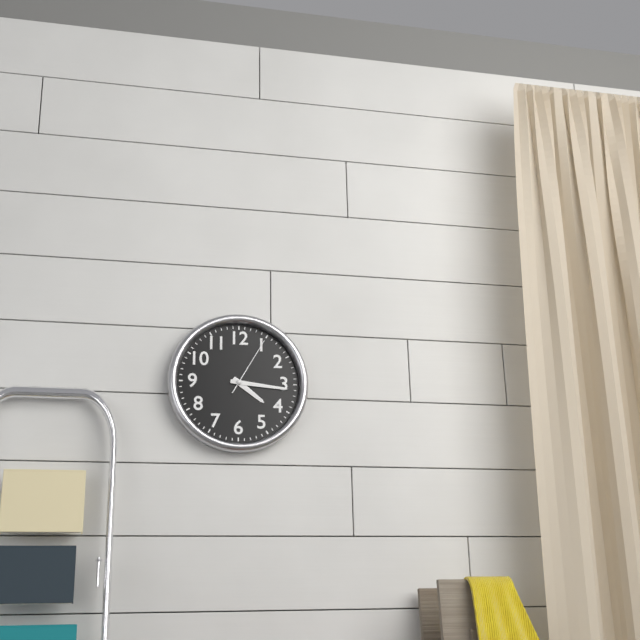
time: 4:16:05
